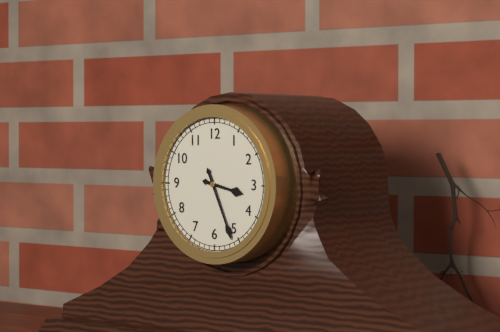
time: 3:26
